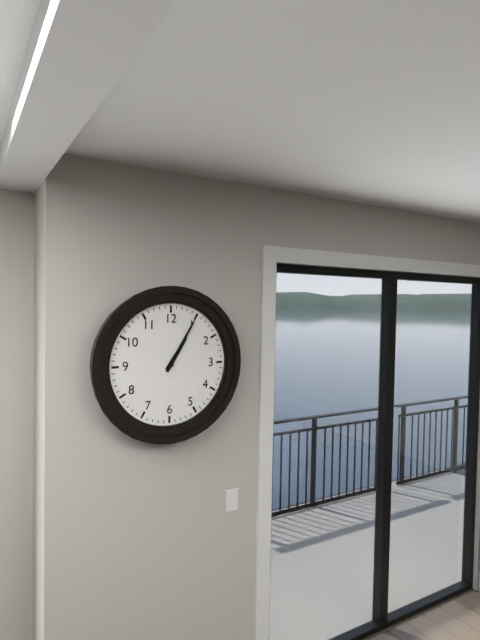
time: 1:05
